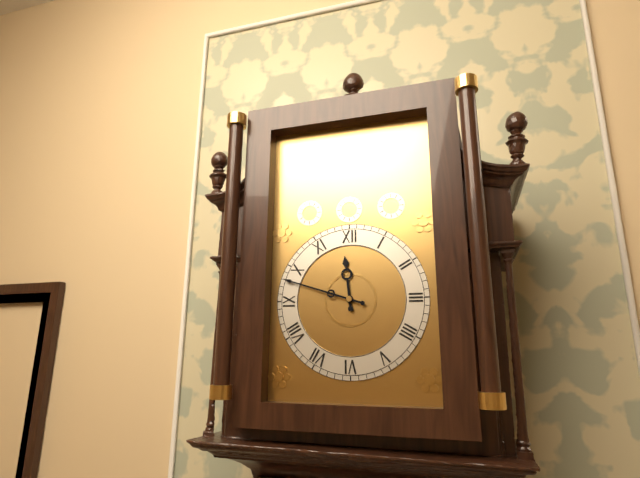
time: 11:48
